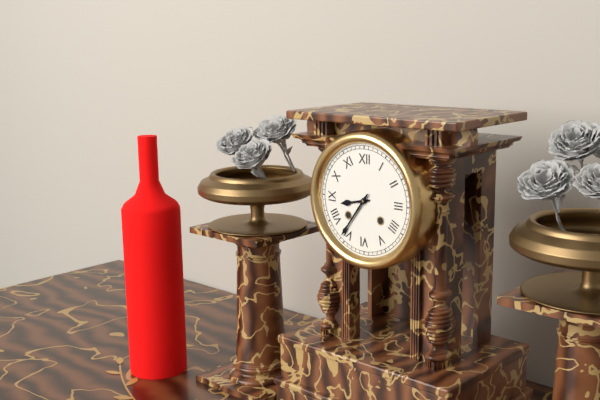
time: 8:36
